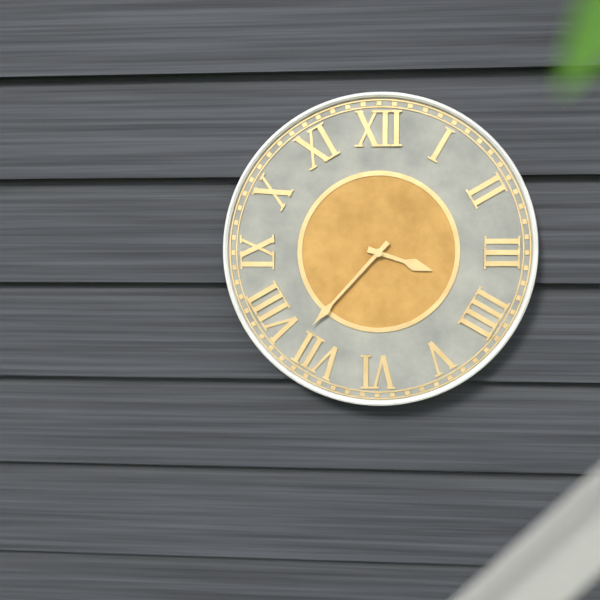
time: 3:37
